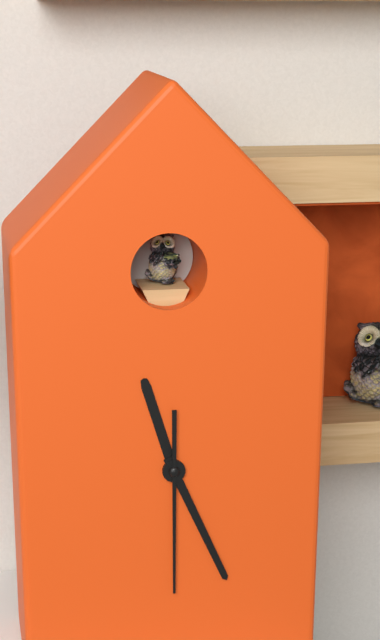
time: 11:26:30
